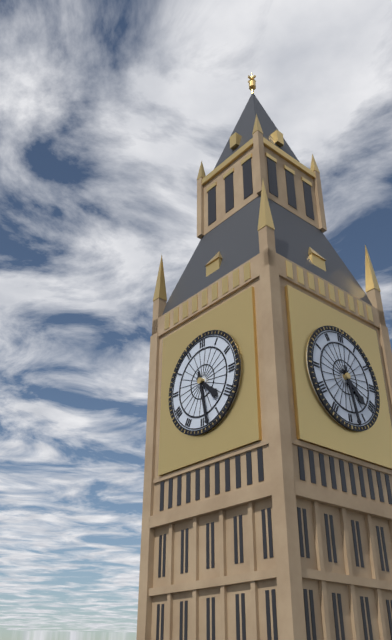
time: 4:28
